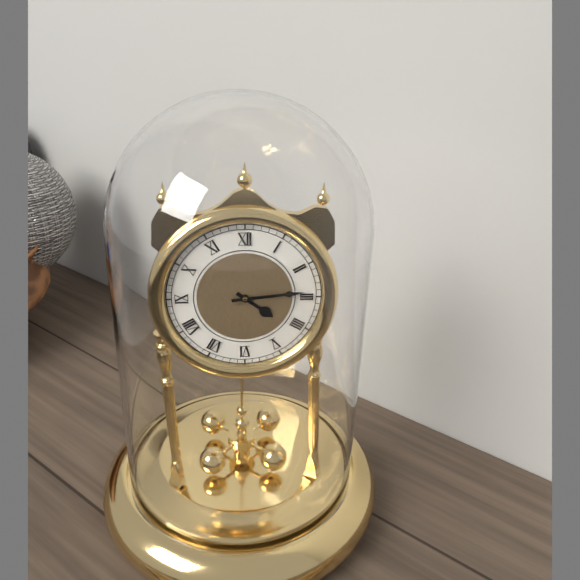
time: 4:14
